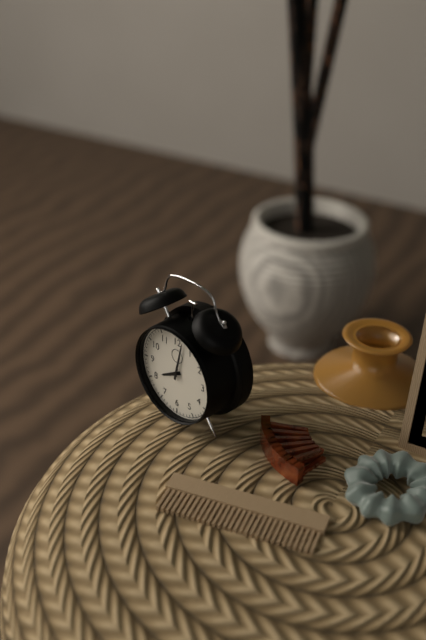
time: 8:02
